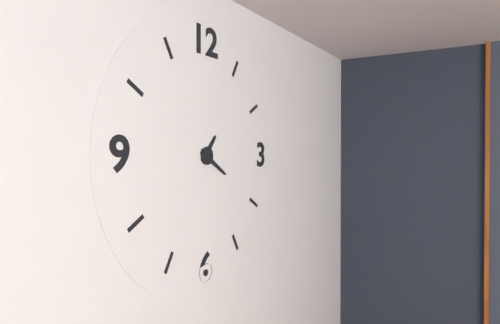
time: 1:20
